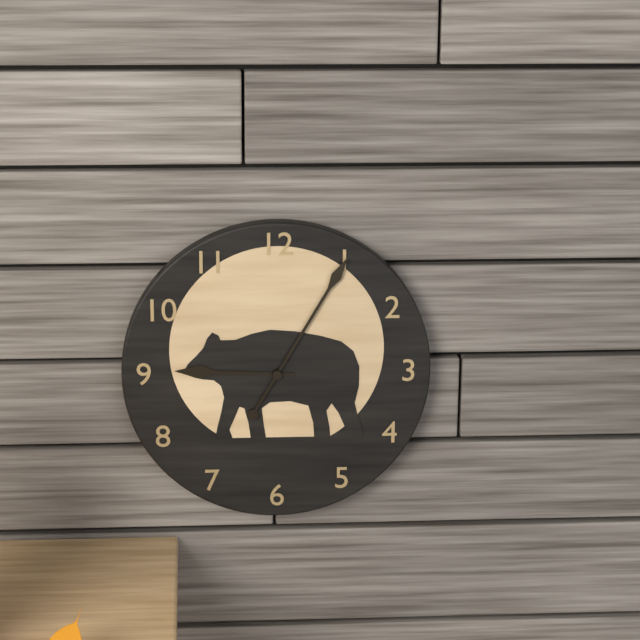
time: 9:05
